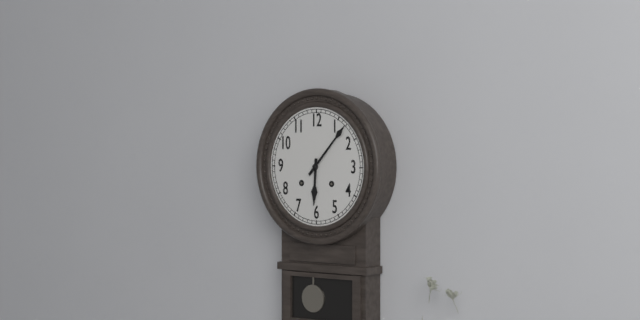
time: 6:07
